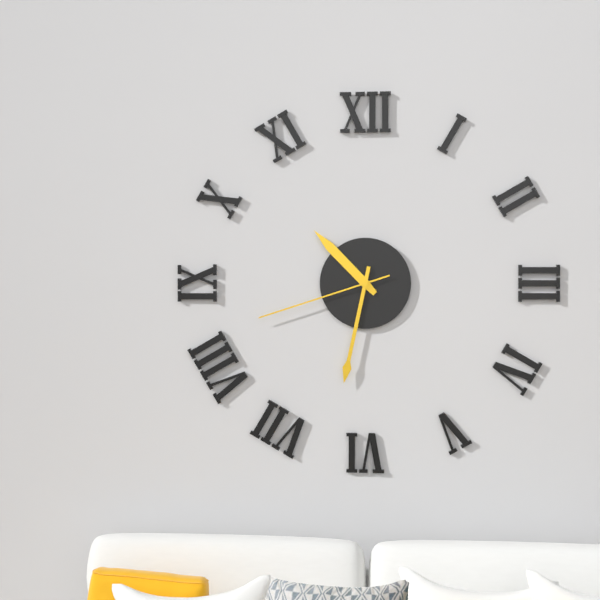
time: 10:32:42
